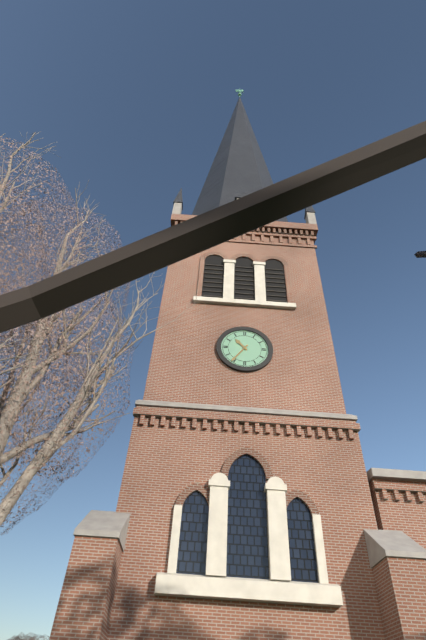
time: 10:36
